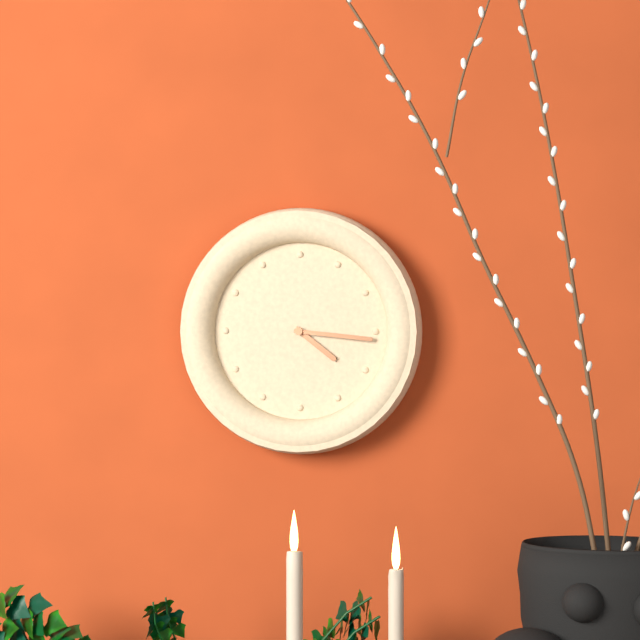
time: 4:16
